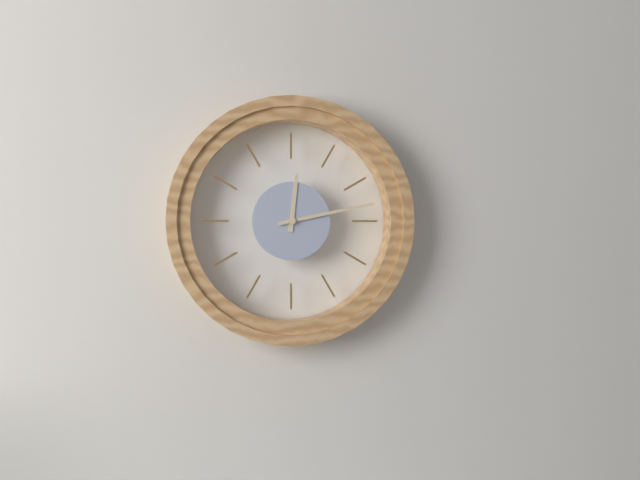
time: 12:13
